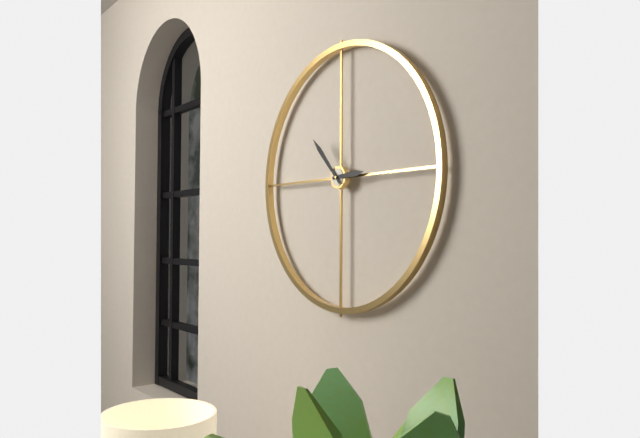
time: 2:53
